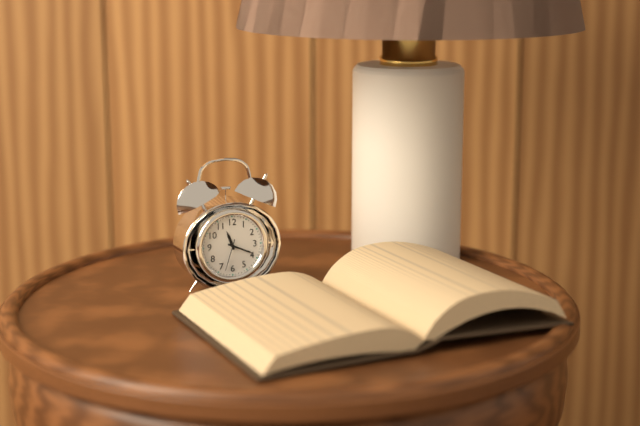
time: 11:19
